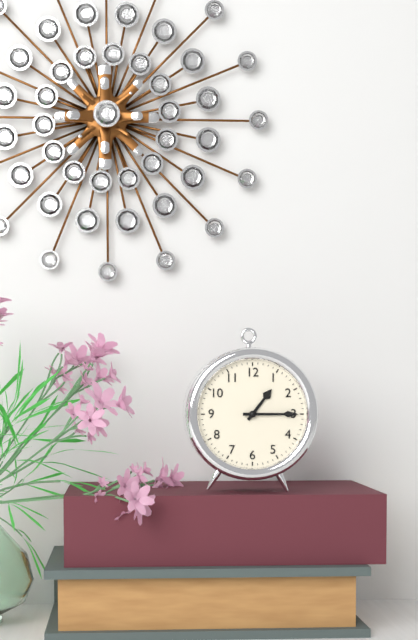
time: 1:15
